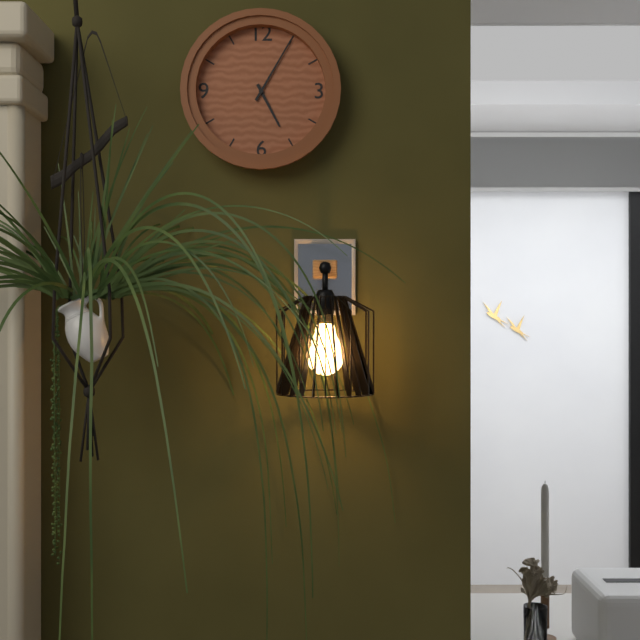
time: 5:05
